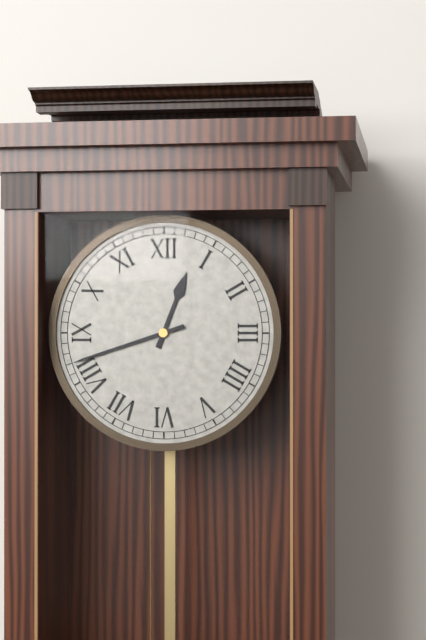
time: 12:42
